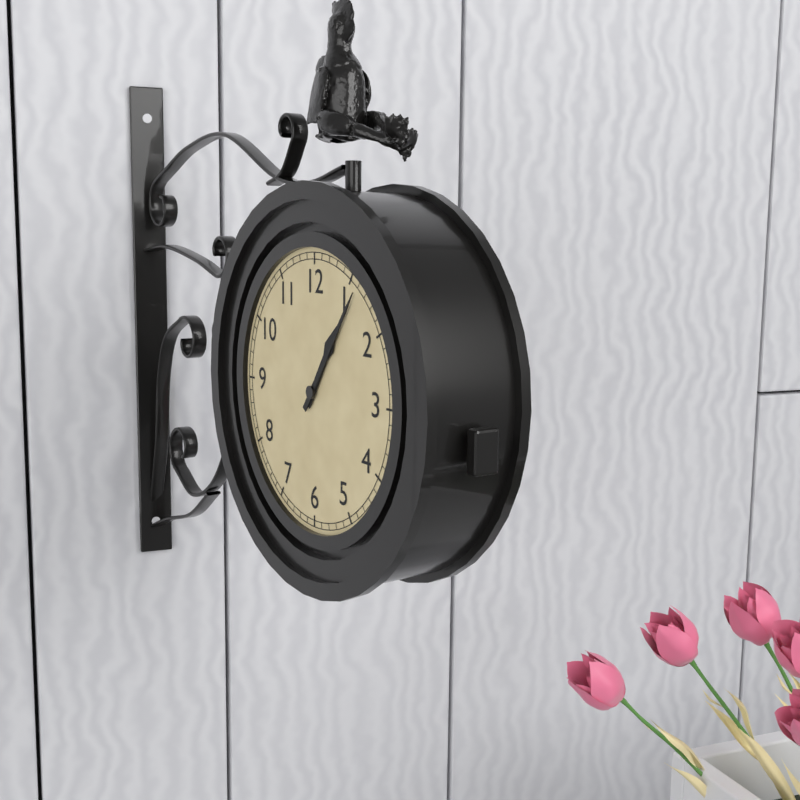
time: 1:06
